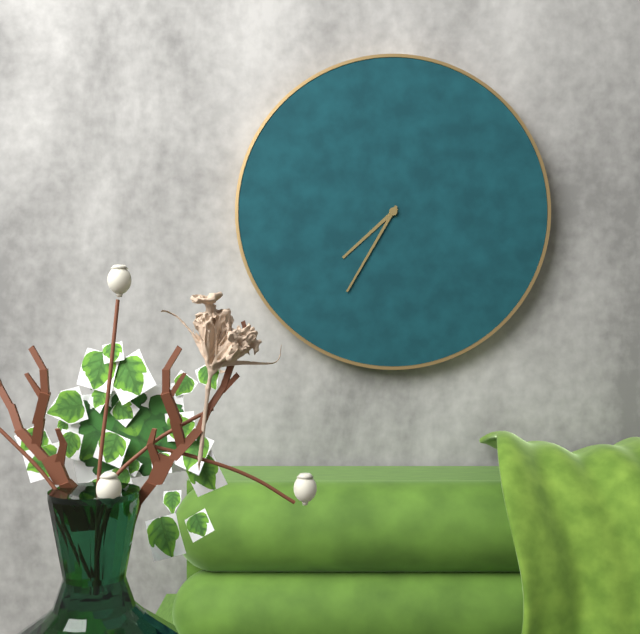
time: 7:35
